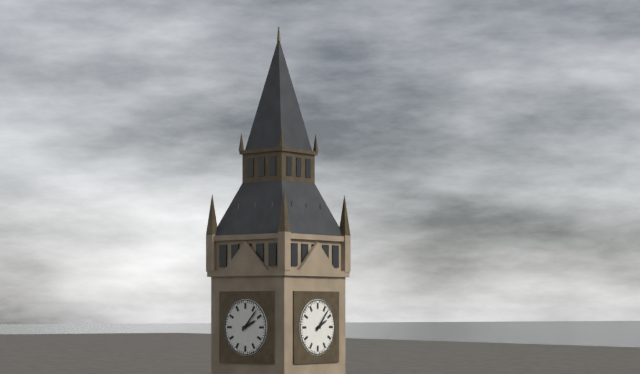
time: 2:07
